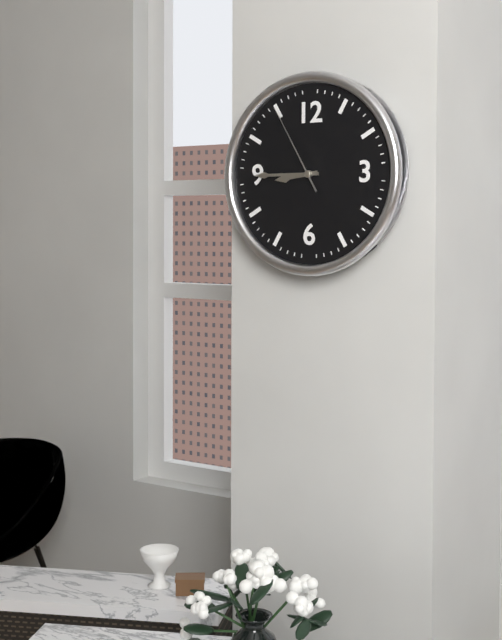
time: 8:45:55
